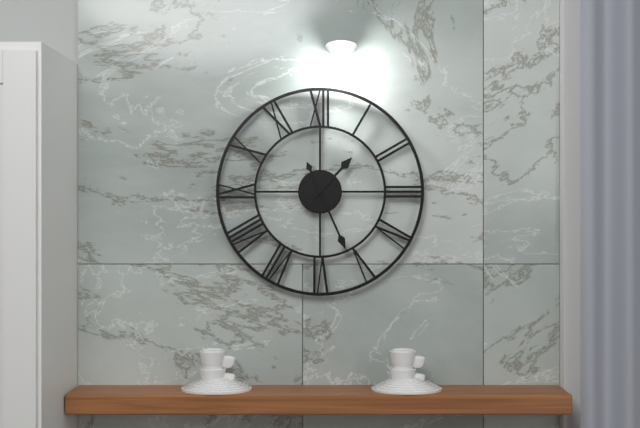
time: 1:26
